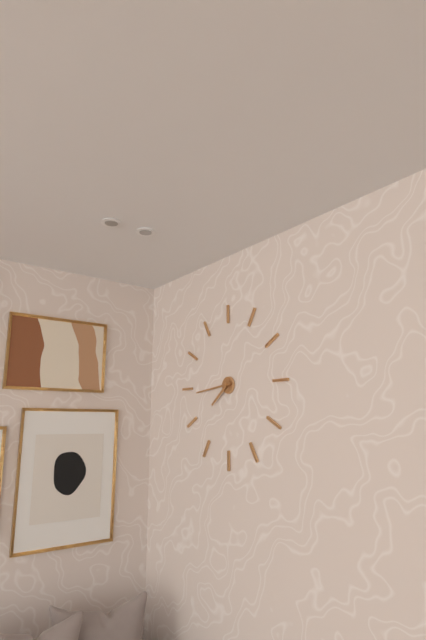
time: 7:44
